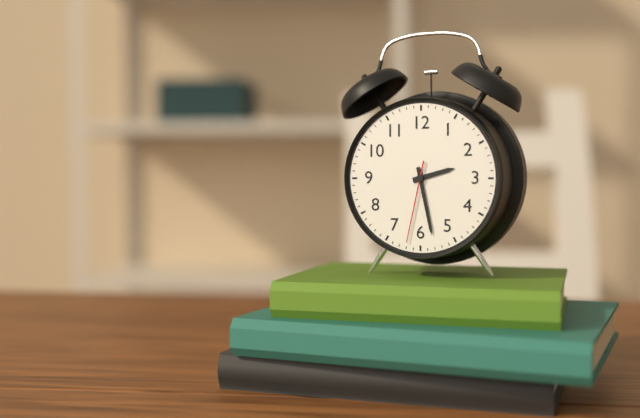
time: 2:28:32
